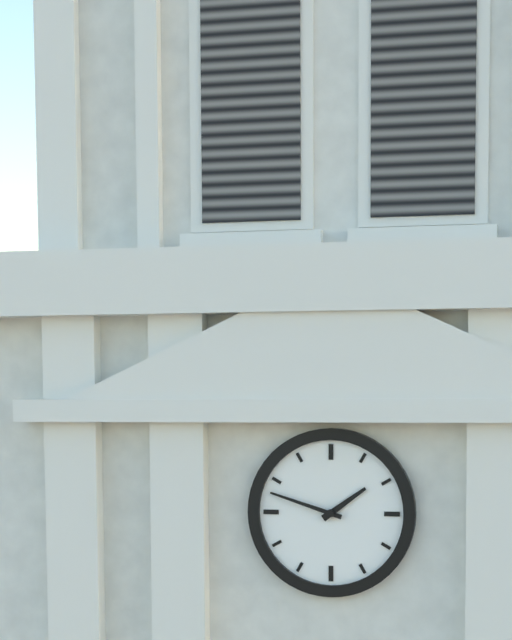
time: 1:48
